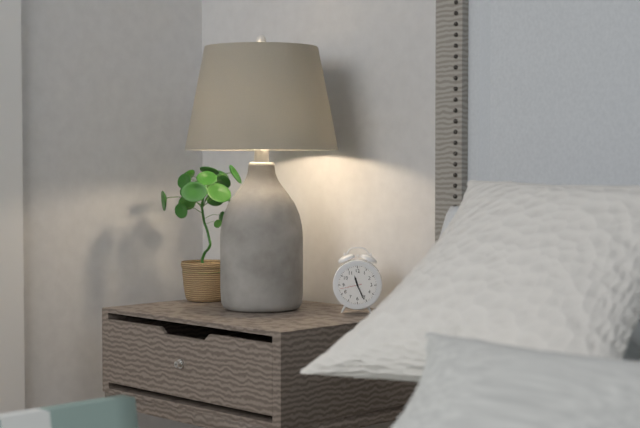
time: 11:26
